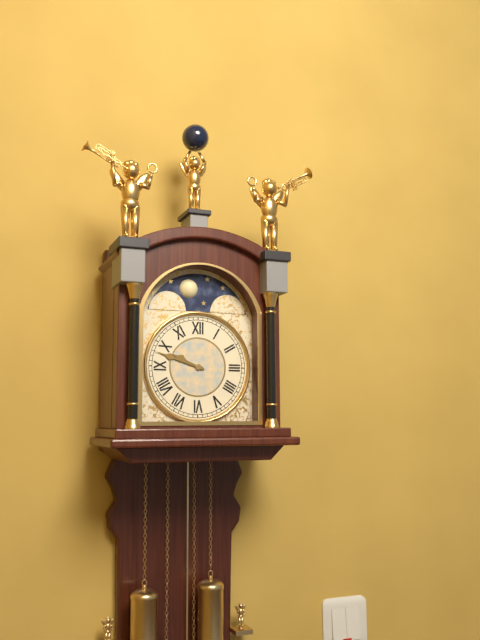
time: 9:48
